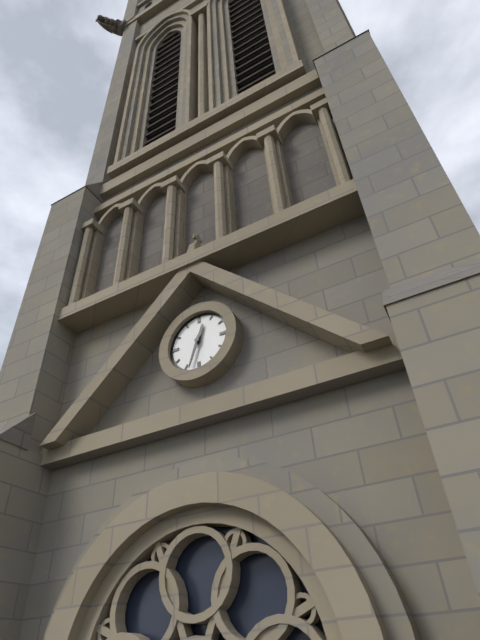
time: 12:33
